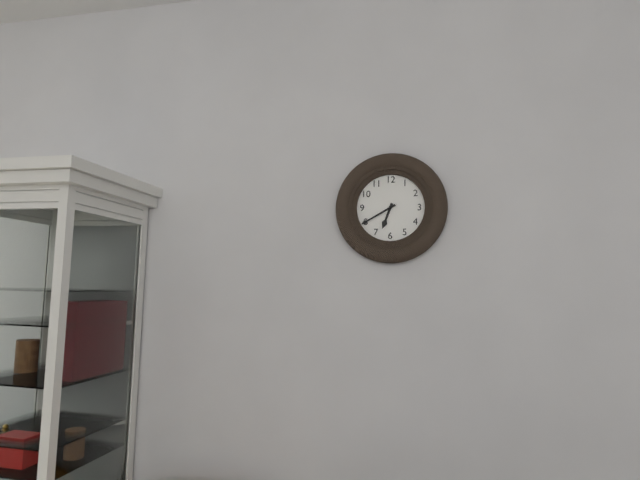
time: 6:40
